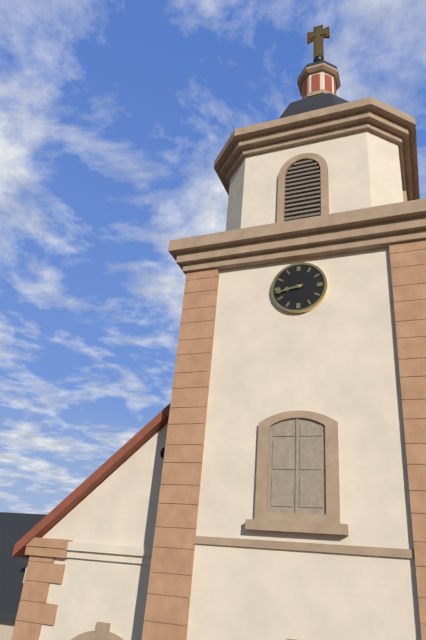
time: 8:43
